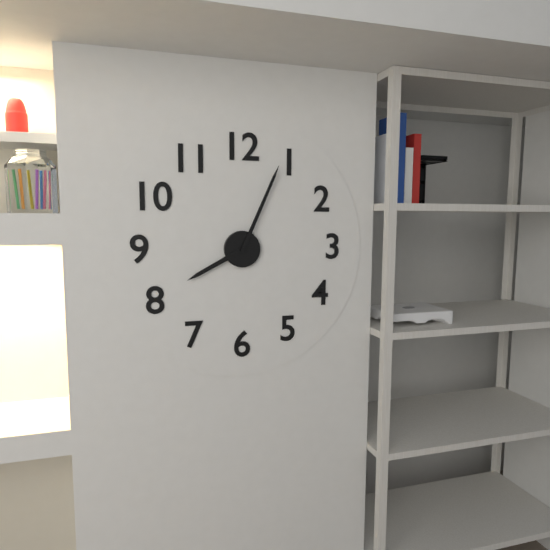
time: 8:04
